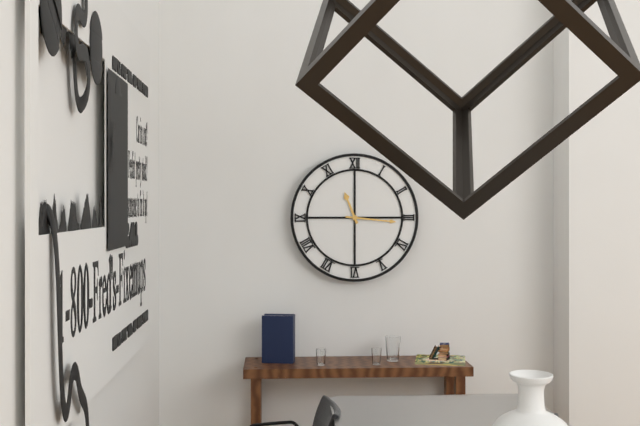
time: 11:16
